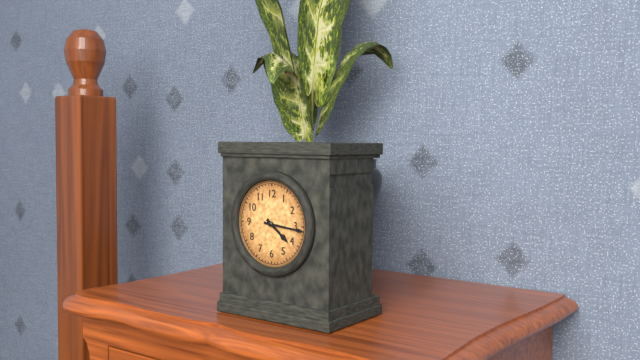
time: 4:16
